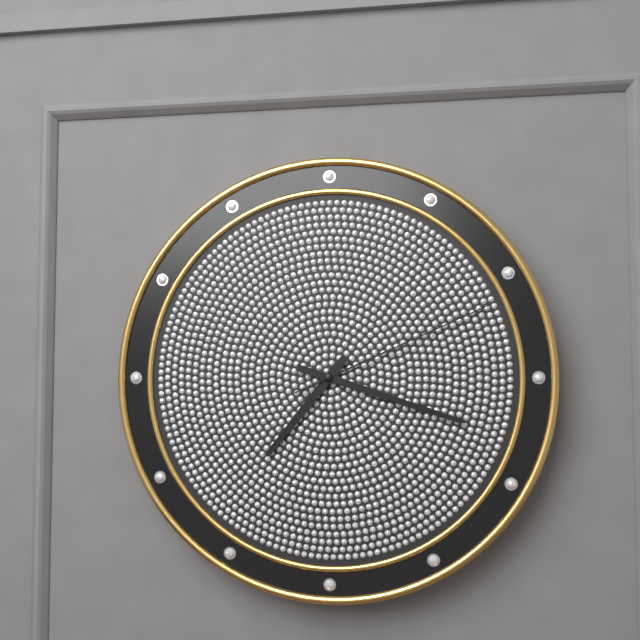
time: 7:18:11
